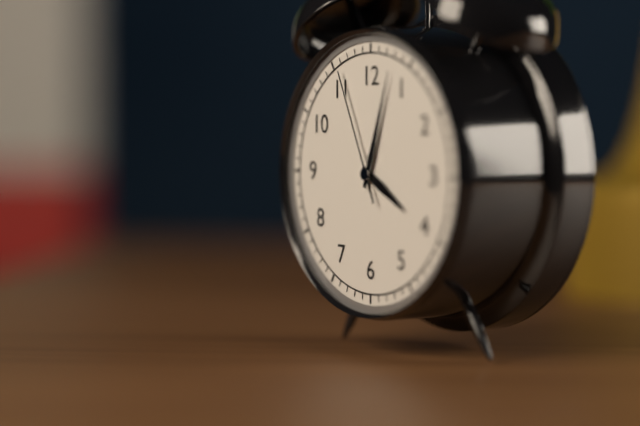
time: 4:03:56
